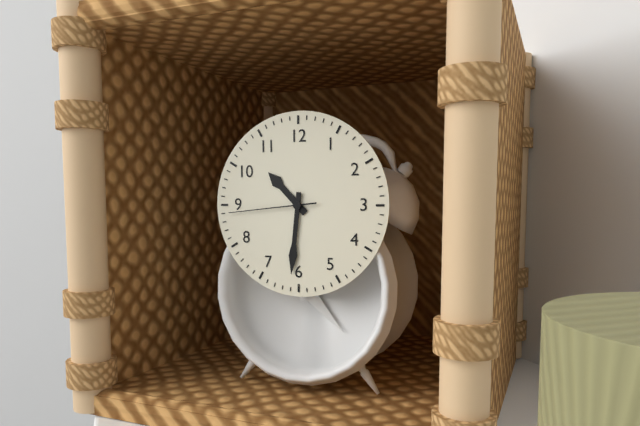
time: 10:31:44
